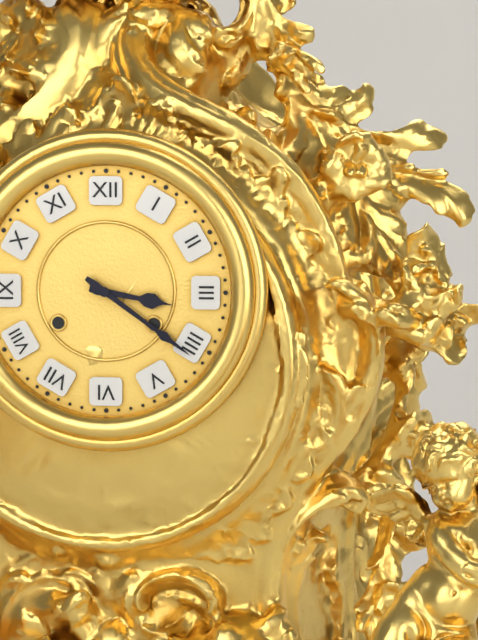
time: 3:21
